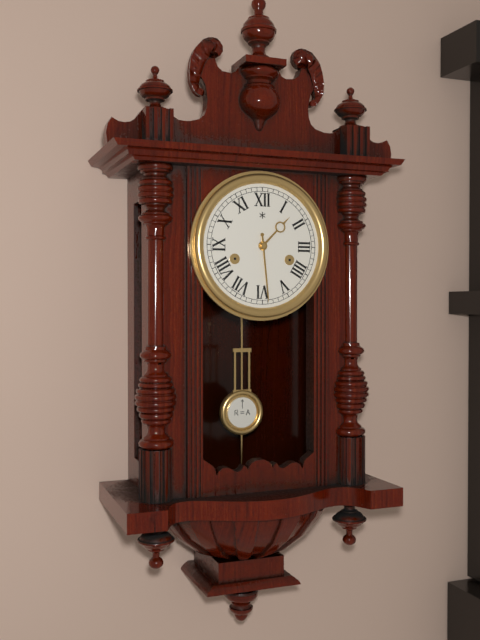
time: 1:29
